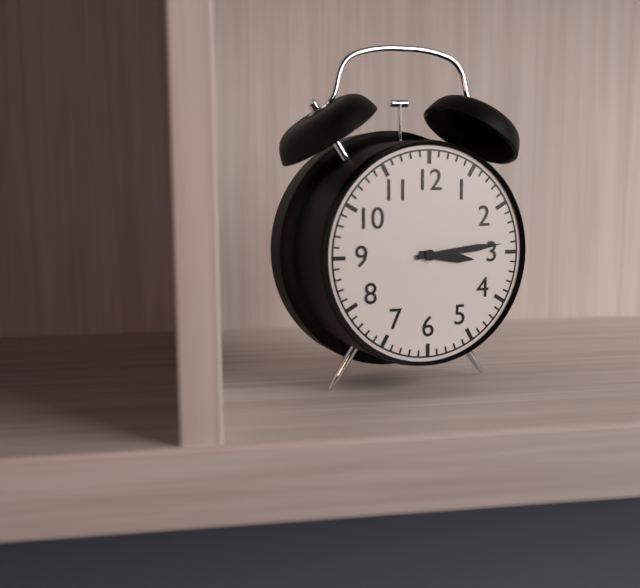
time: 3:14
